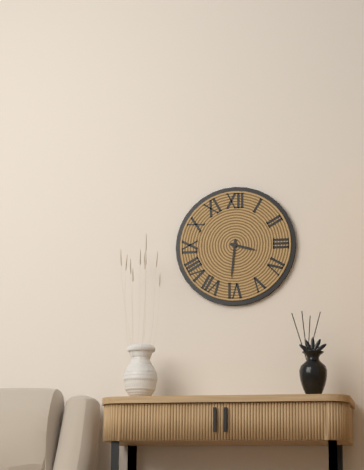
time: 3:31
